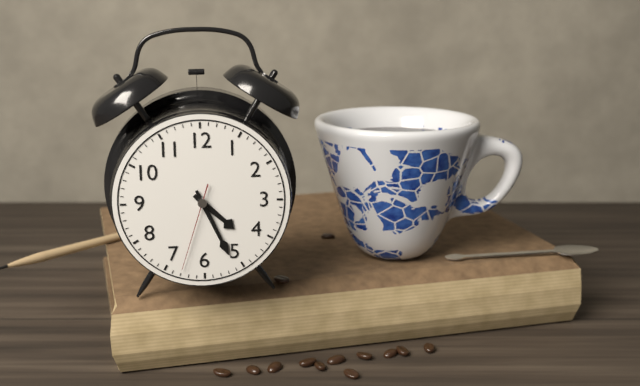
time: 4:26:33
